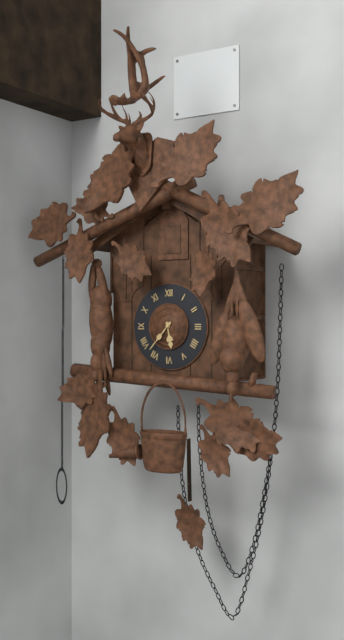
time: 5:37
